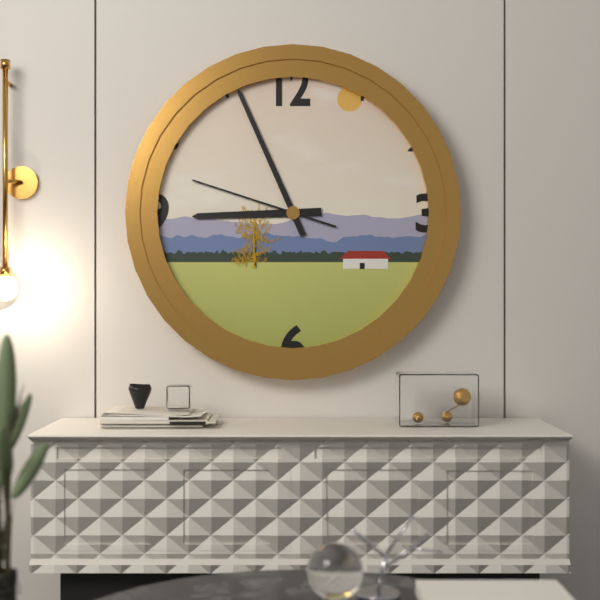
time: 8:56:48
